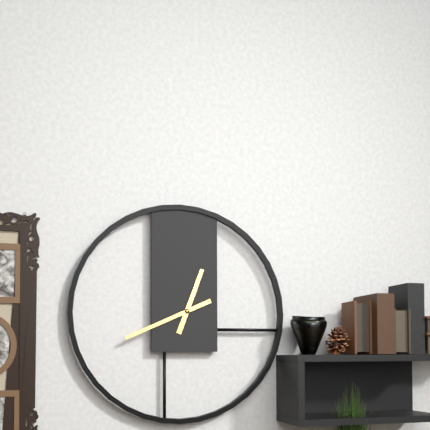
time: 12:41
